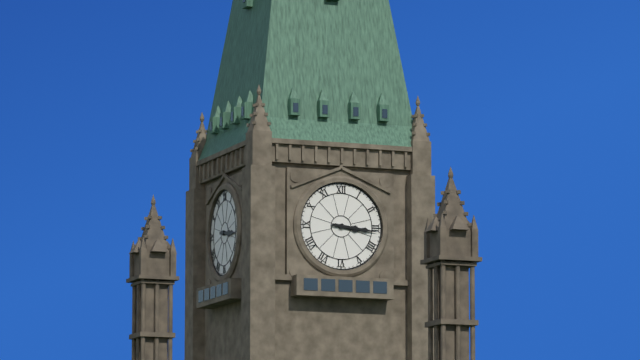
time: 3:16
